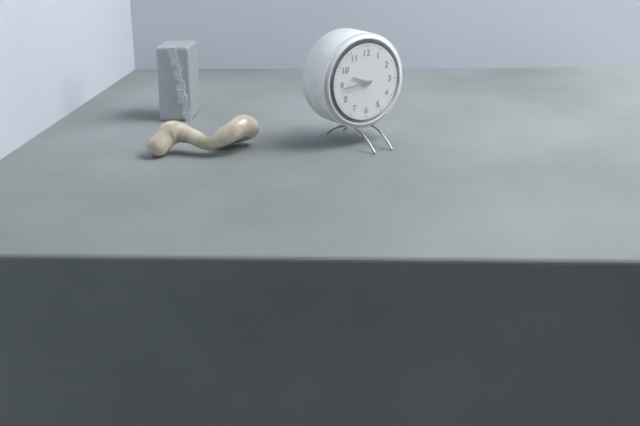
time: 9:44
